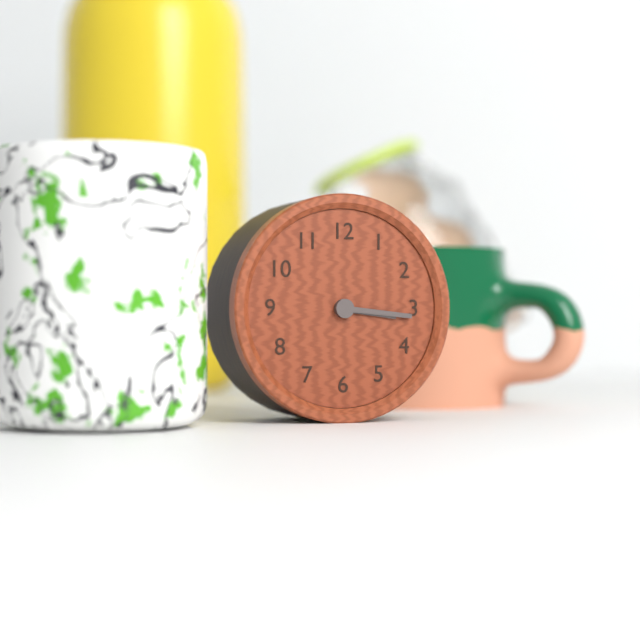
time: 3:16
